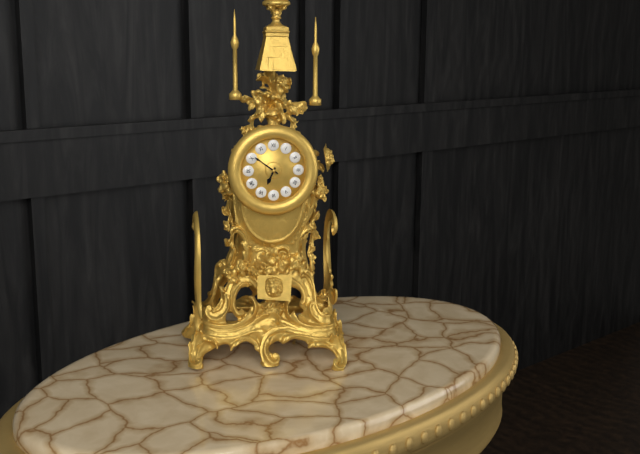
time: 6:51
